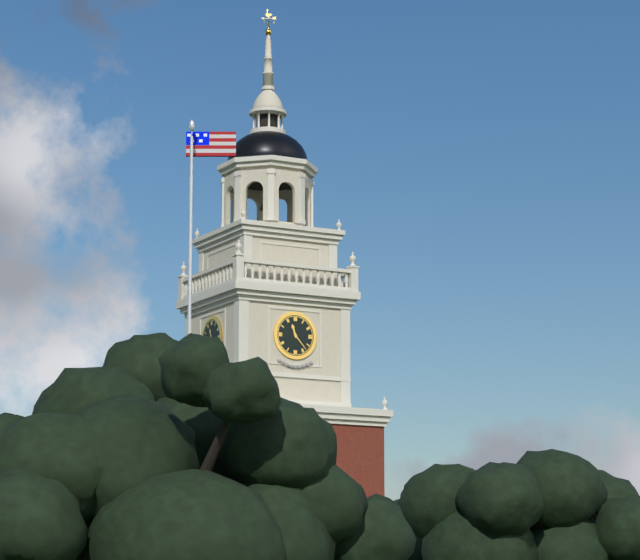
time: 11:23
